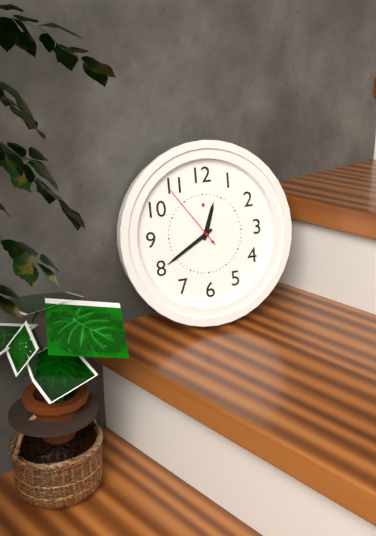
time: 12:40:54
